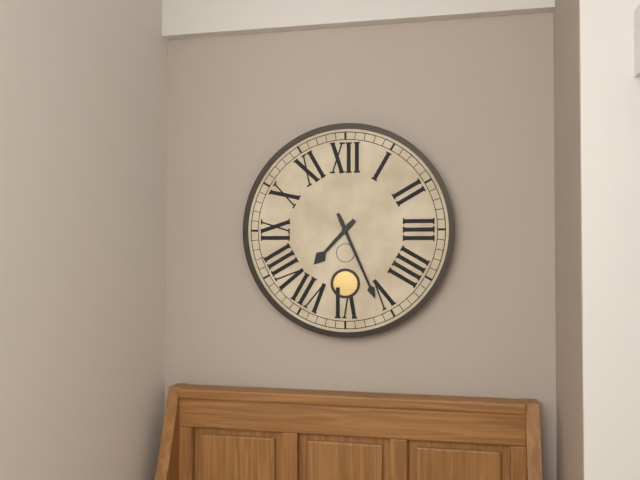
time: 7:26
